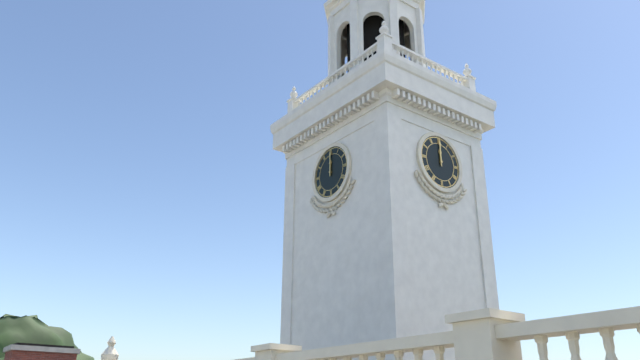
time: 12:00
